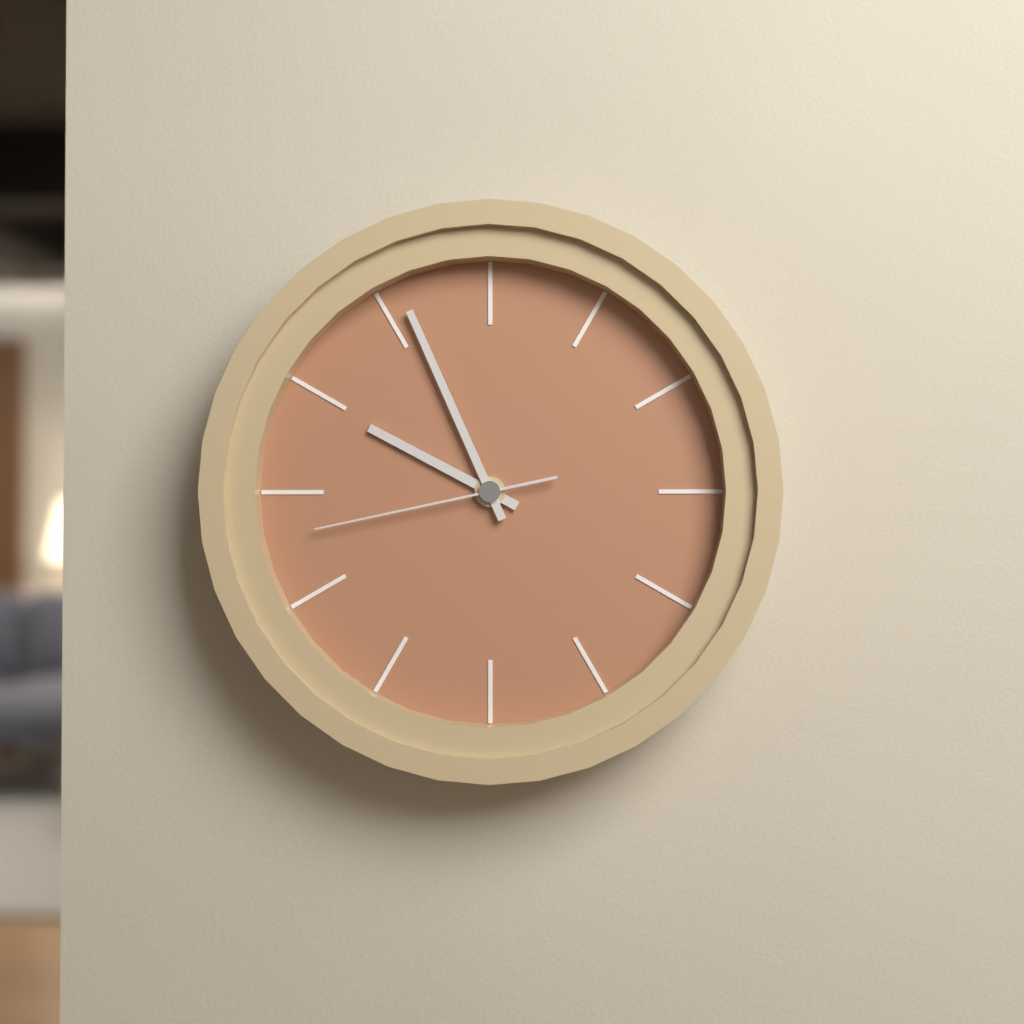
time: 9:56:43
